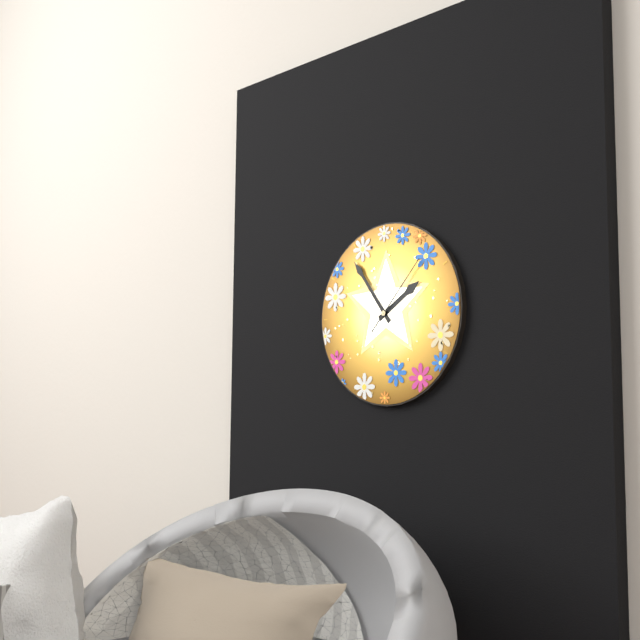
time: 1:54:07
